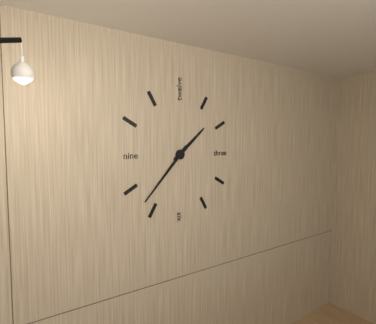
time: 1:37
